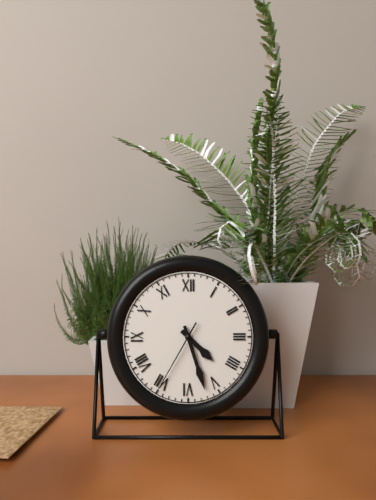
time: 4:27:35
